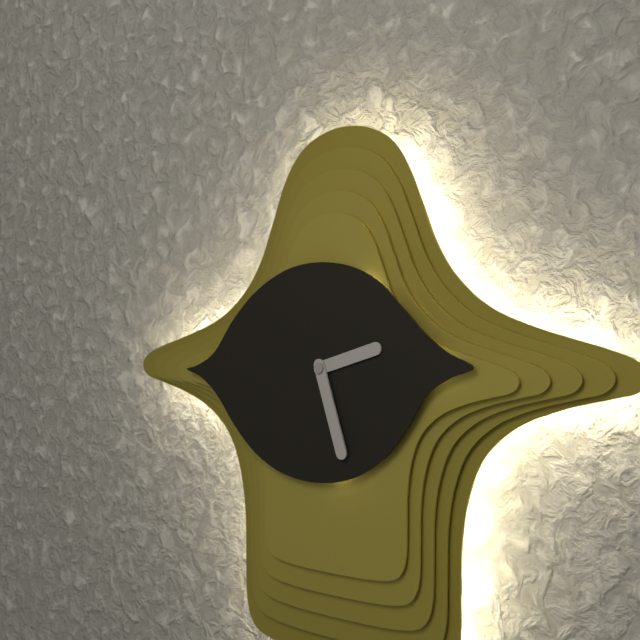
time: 2:27
